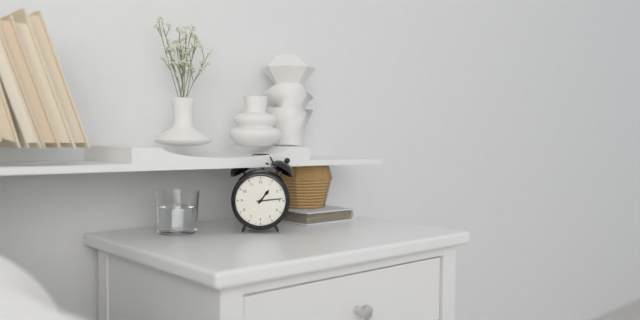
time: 1:14
